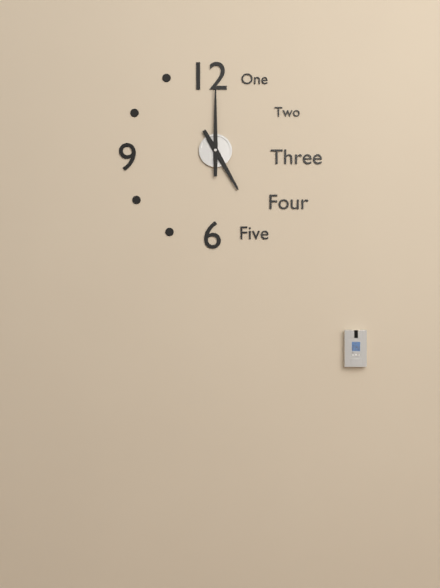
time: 5:00
